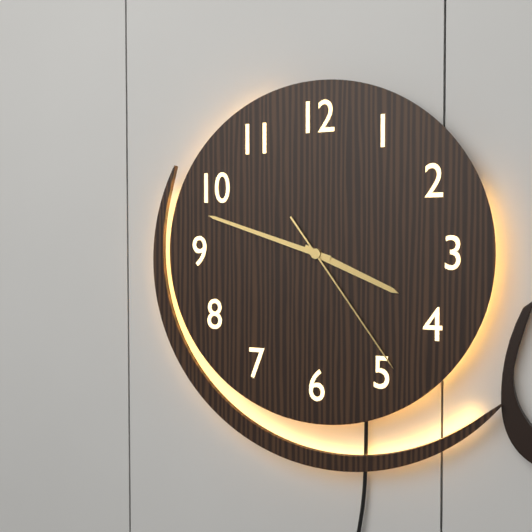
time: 3:48:24
